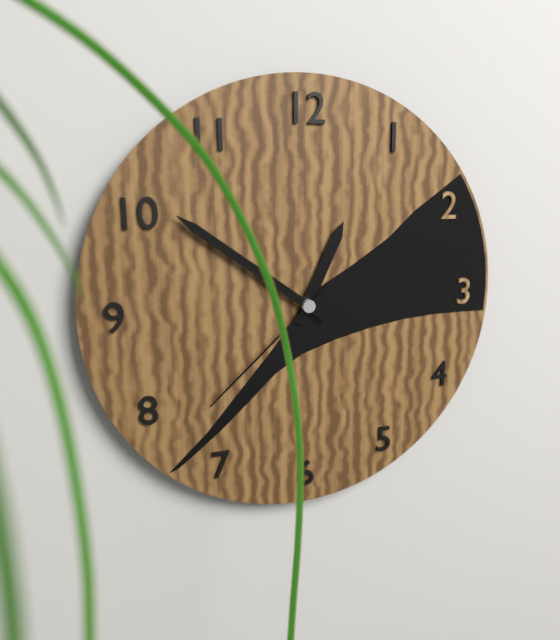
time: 12:51:38
